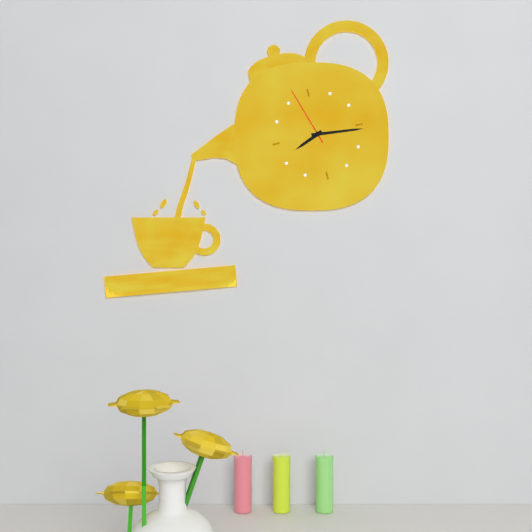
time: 8:16:57
